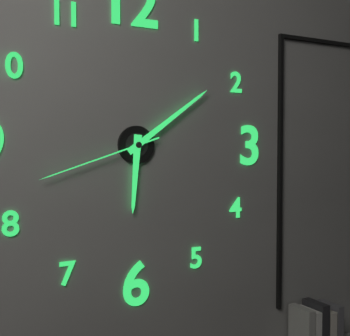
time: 6:09:42
